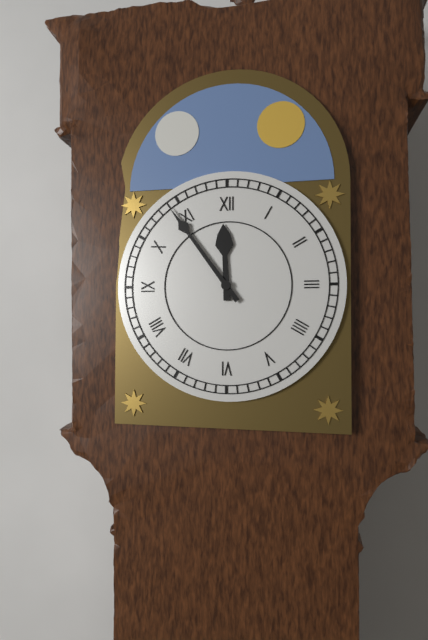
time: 11:54
